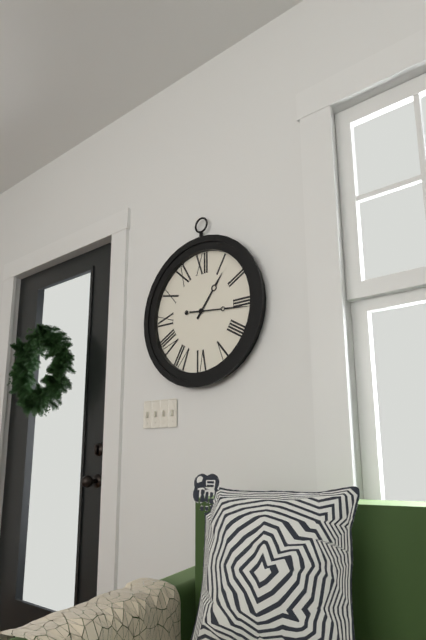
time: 1:16
